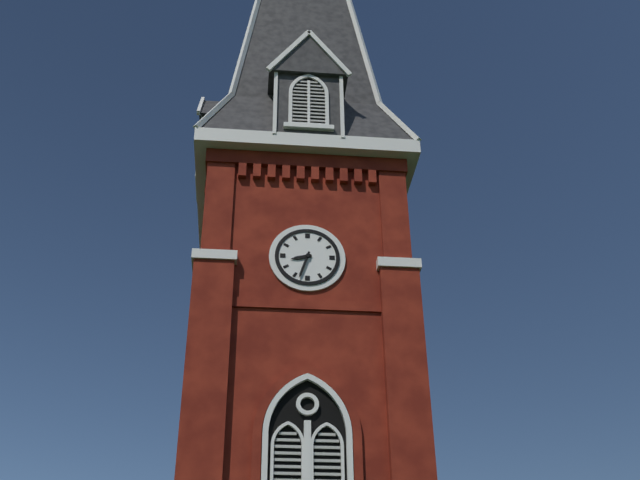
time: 8:33
